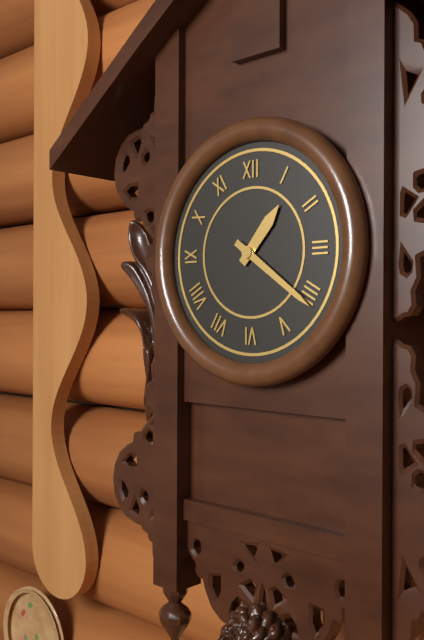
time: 1:21
